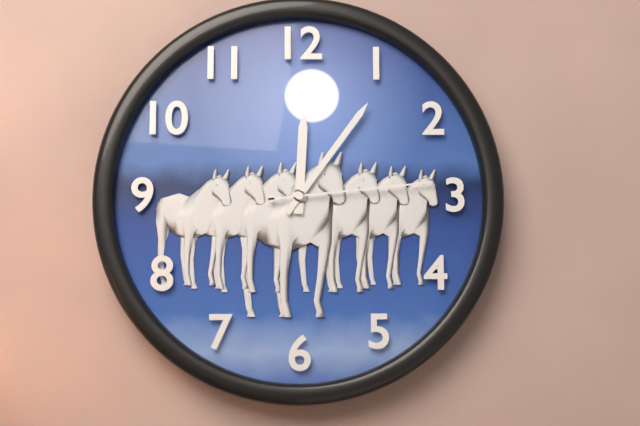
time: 12:06:14
